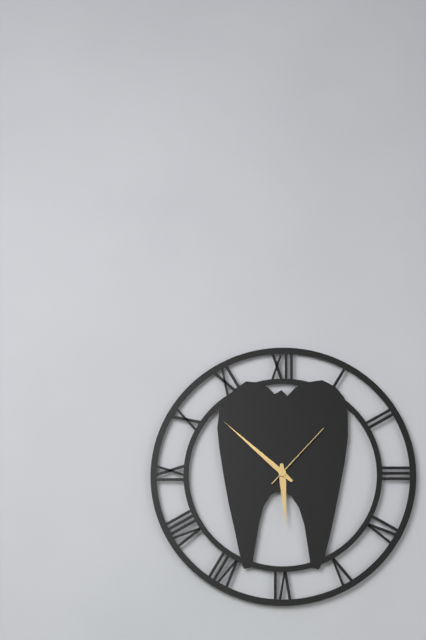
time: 5:52:07
